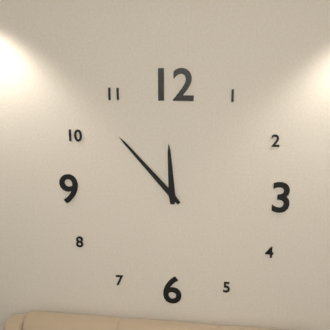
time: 11:53
